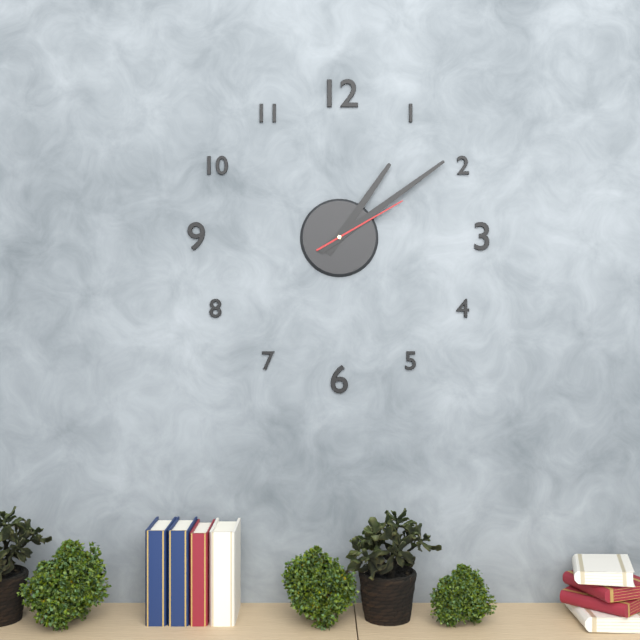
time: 1:09:10
